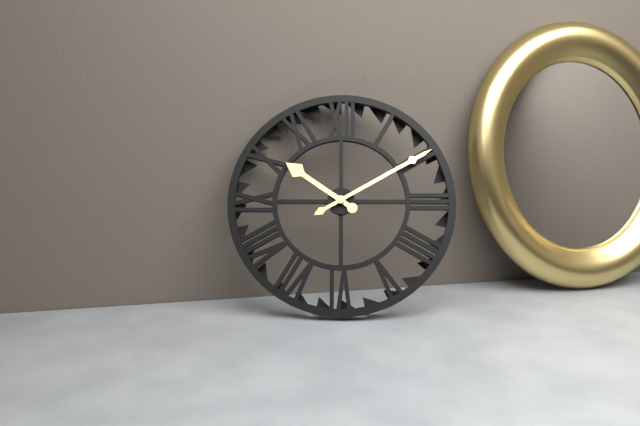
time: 10:10
